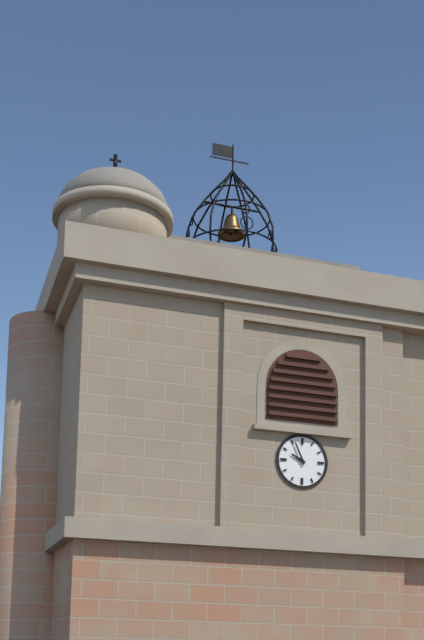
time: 9:56
